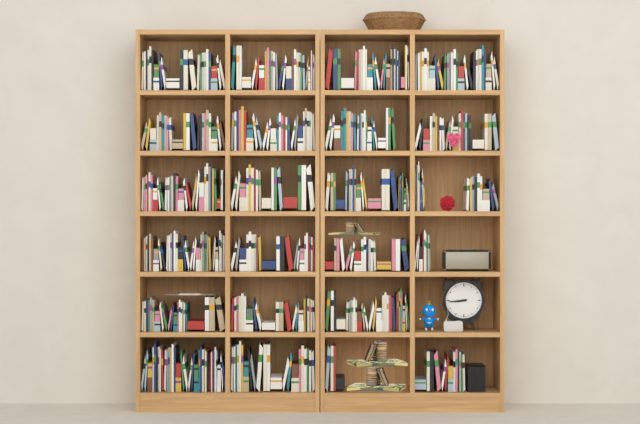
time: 8:44
